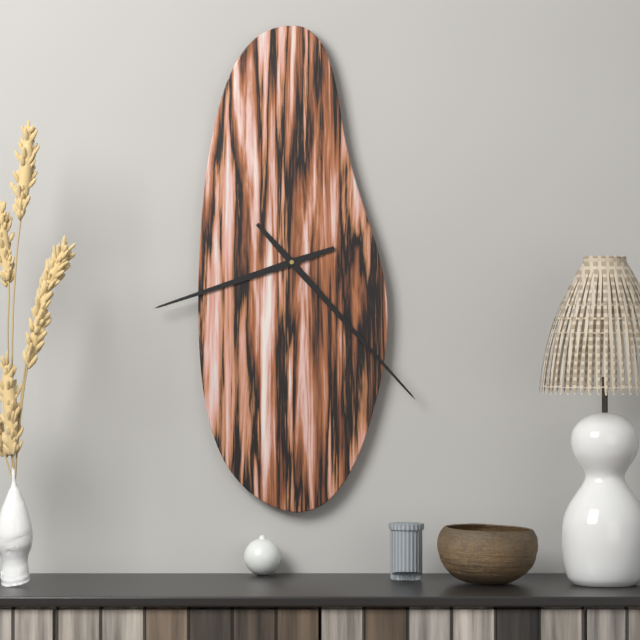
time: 8:23
